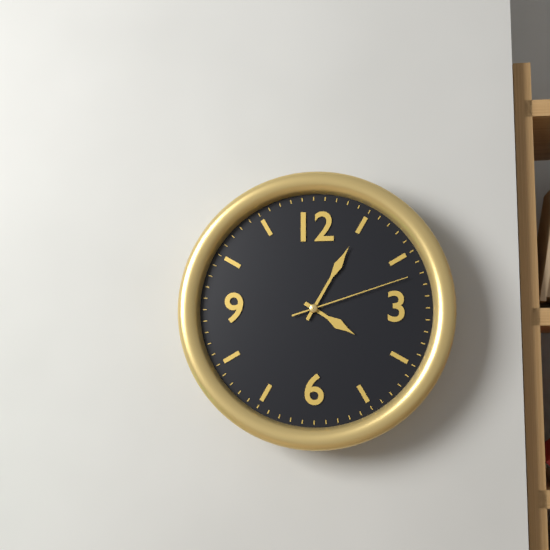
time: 4:05:12
